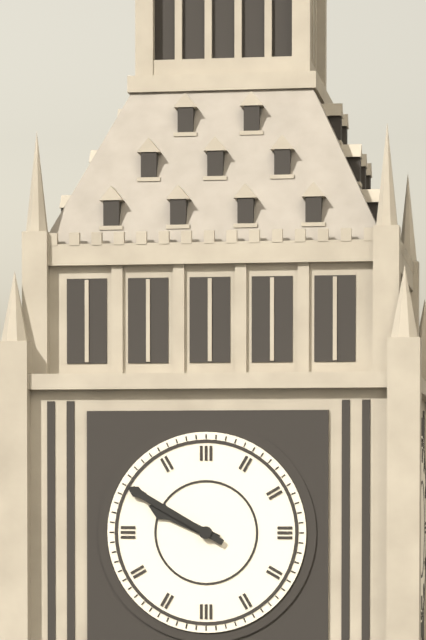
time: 9:50
